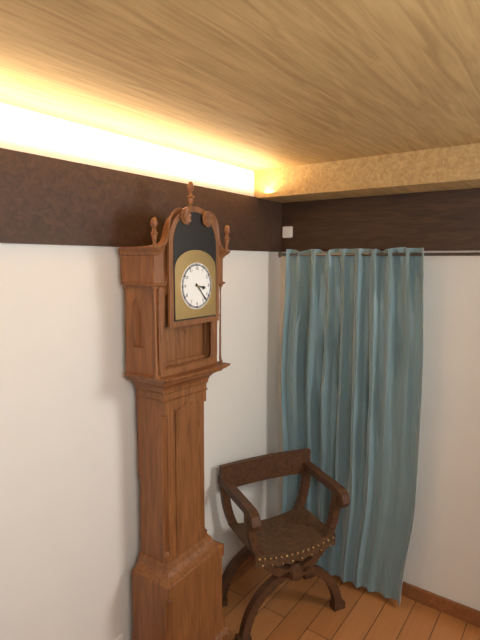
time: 3:23
